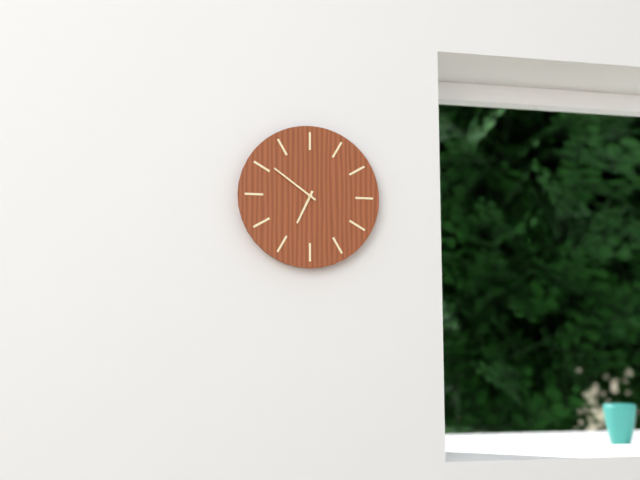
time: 6:51
